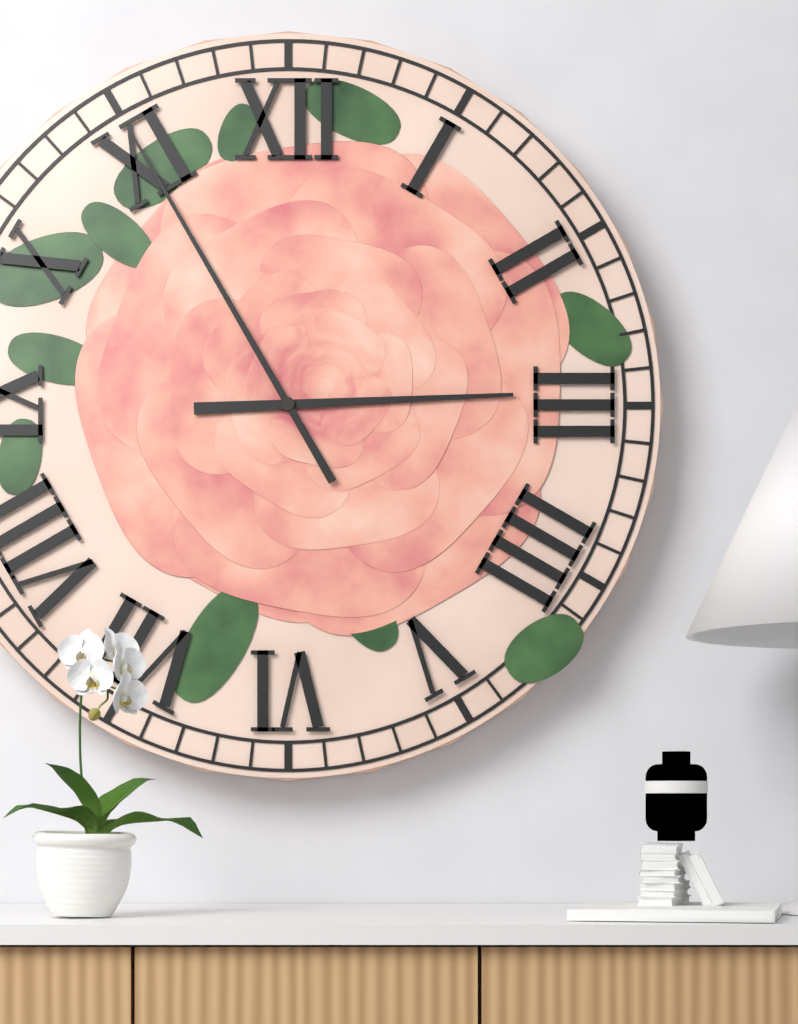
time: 2:55
